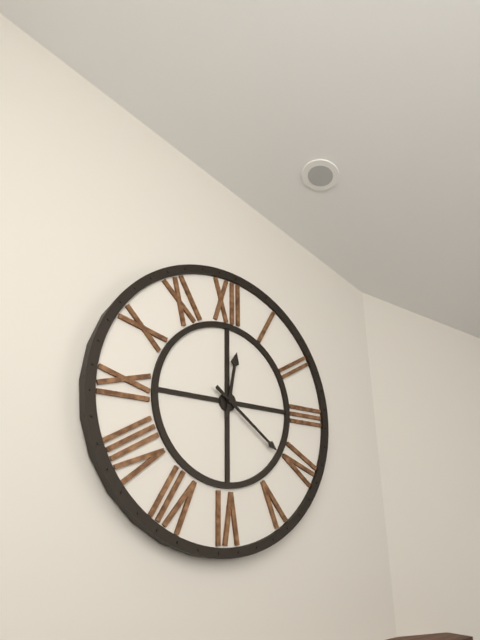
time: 12:21
